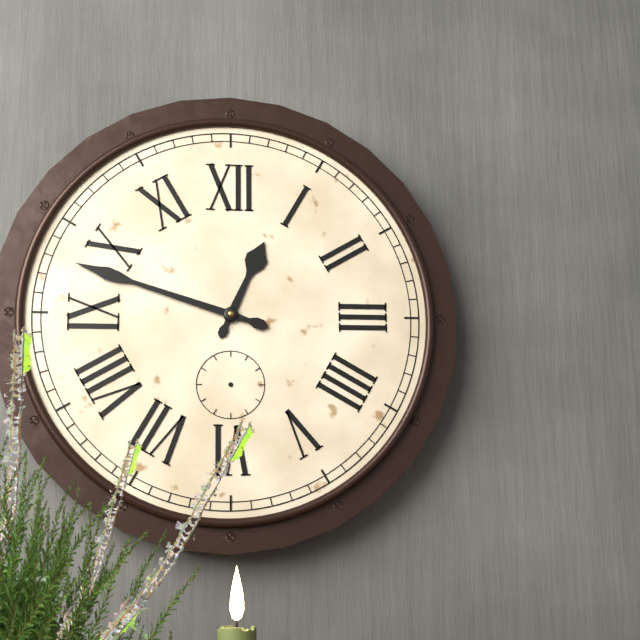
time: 12:48
